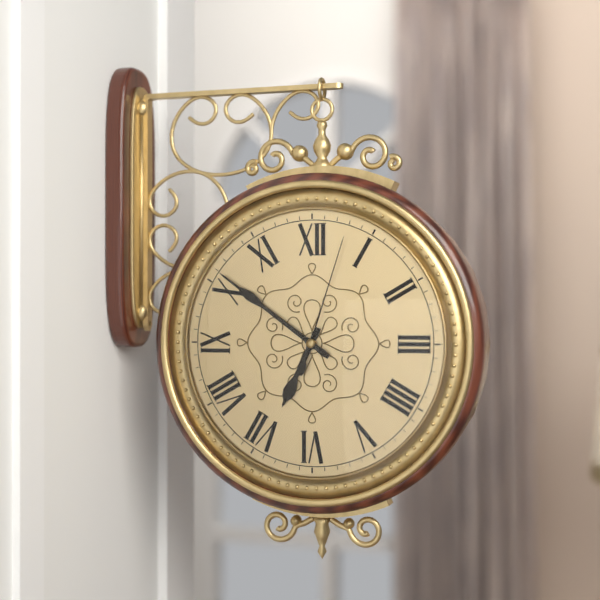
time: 6:51:03
